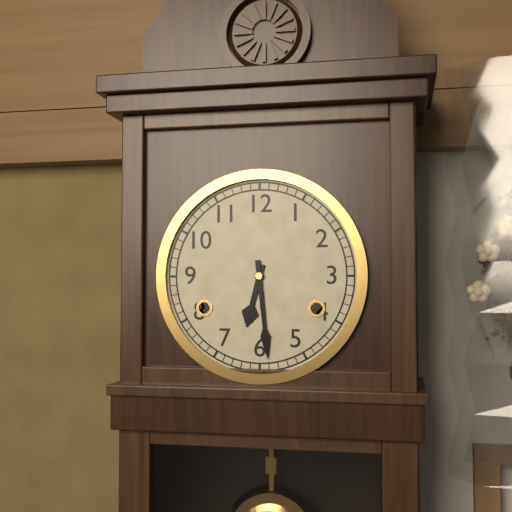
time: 6:29
